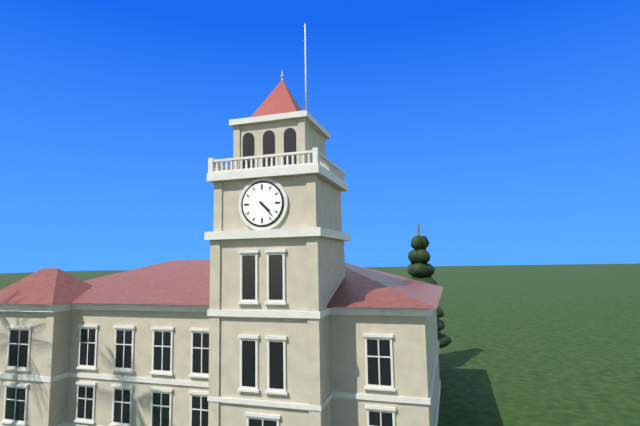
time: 4:23
